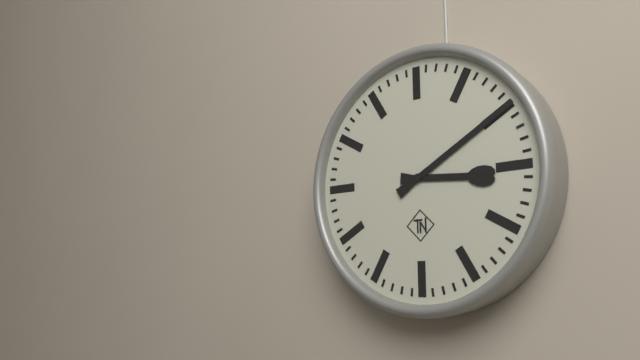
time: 3:10
